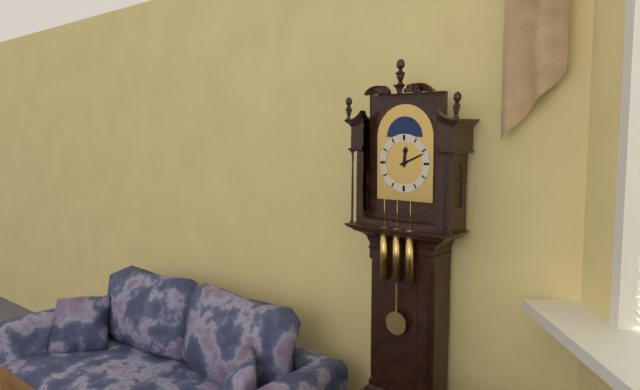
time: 12:11
